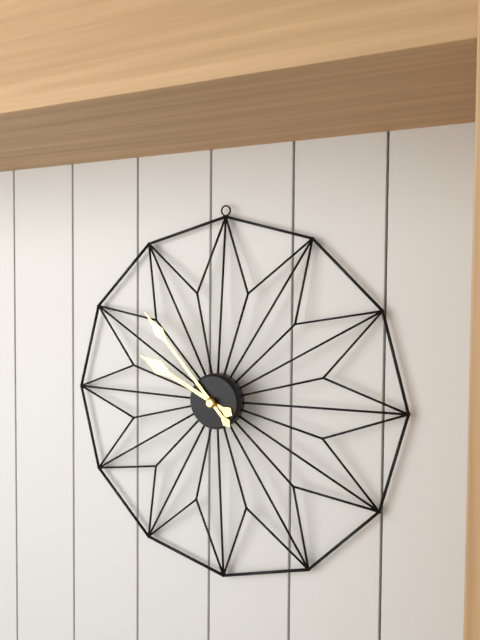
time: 9:53
